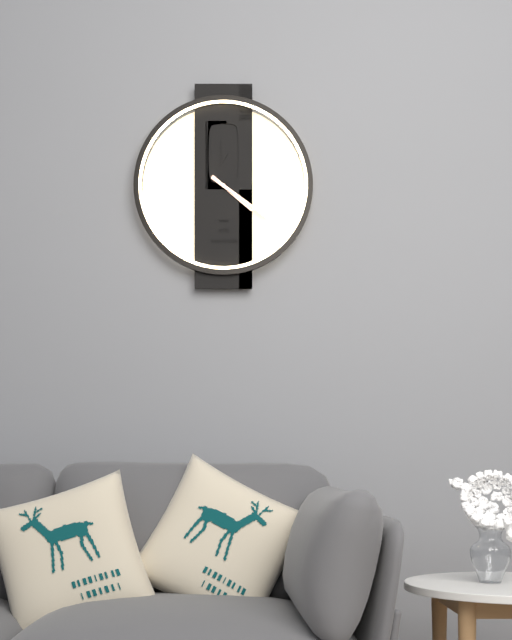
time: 4:21
